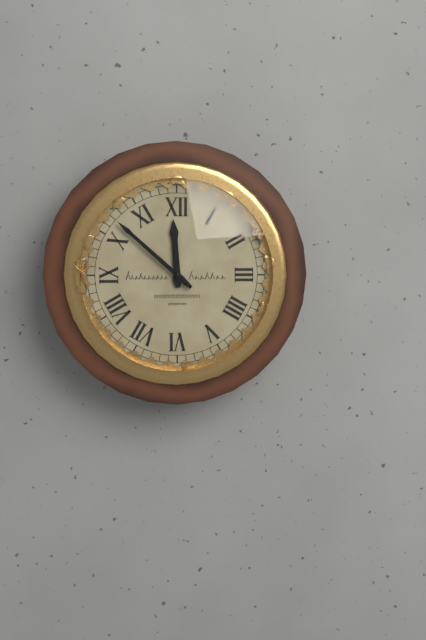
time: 11:52
